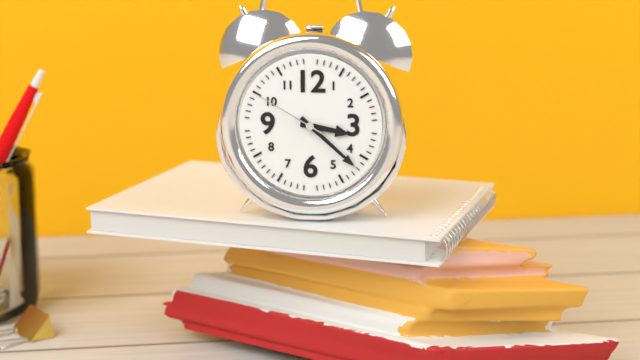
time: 3:22:50
